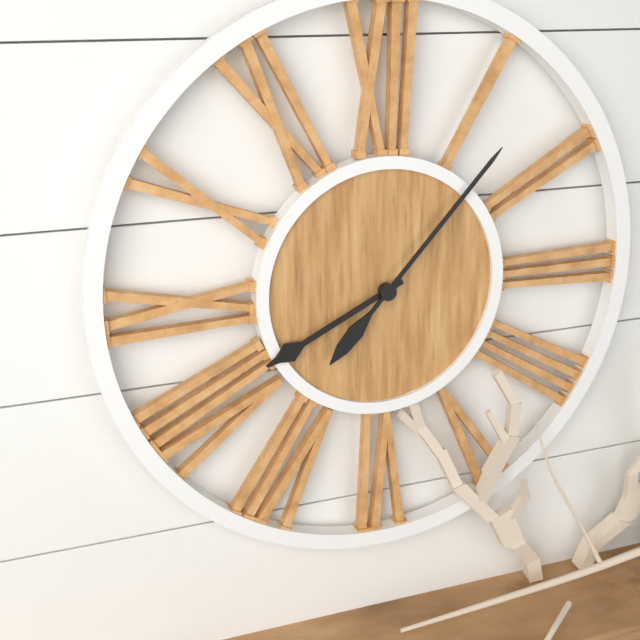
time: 8:07
